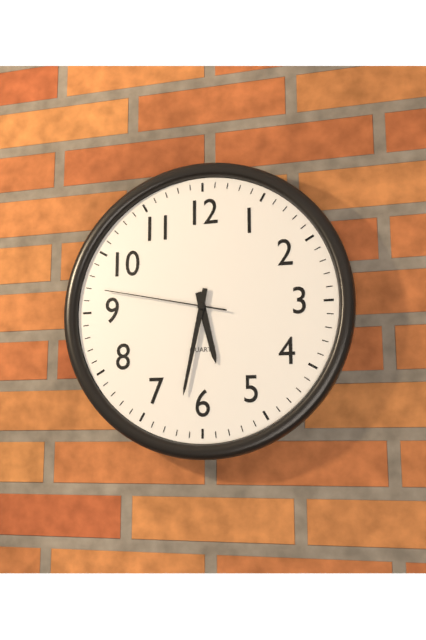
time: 5:32:47
